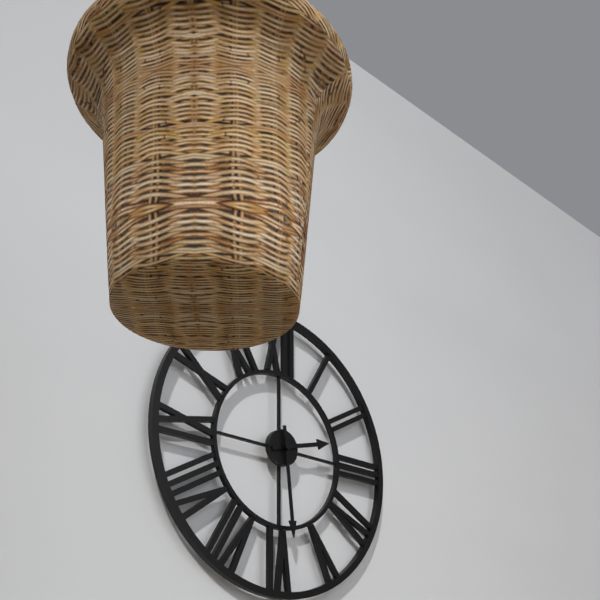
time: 2:29
